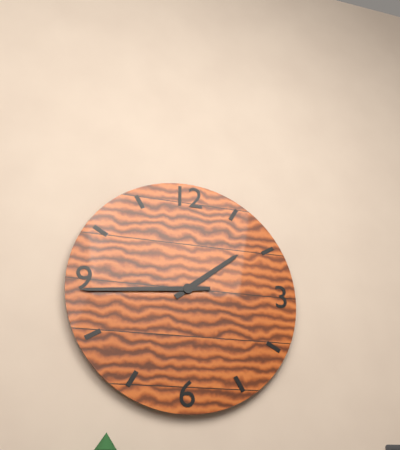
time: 1:44
